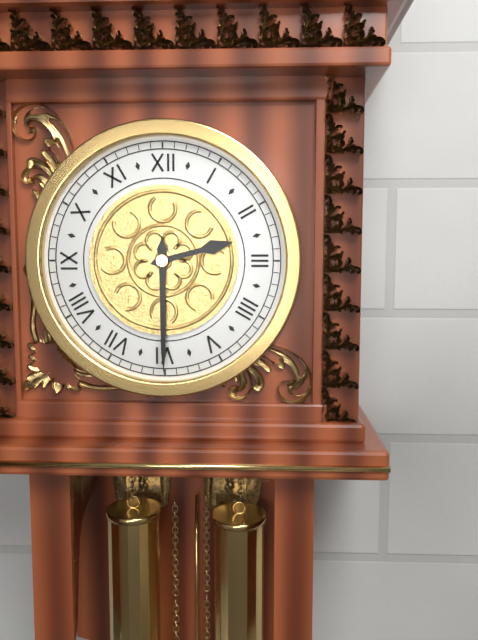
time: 2:30
